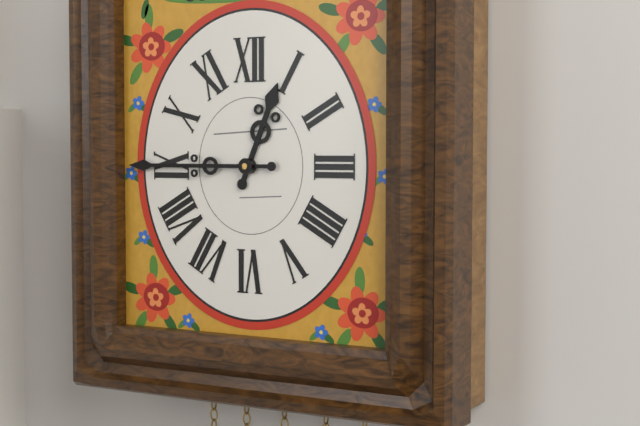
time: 12:45
